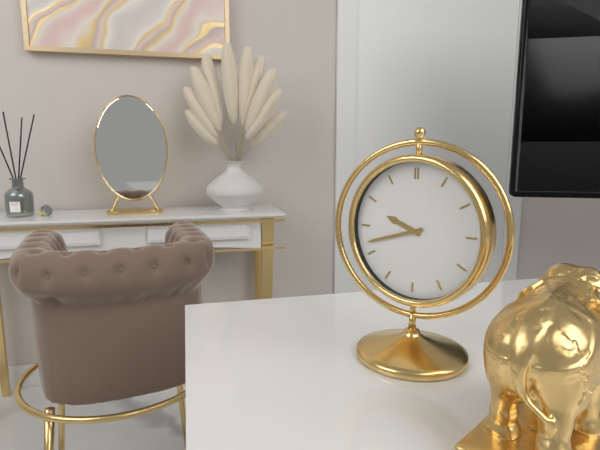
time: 9:42
